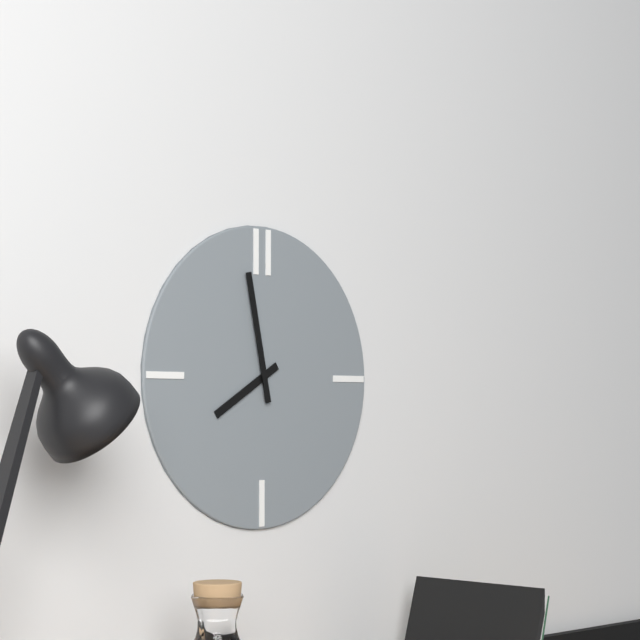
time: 7:58
